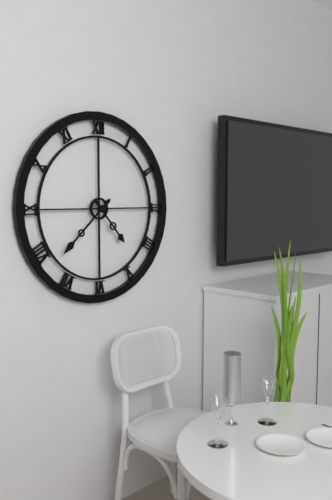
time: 4:38
